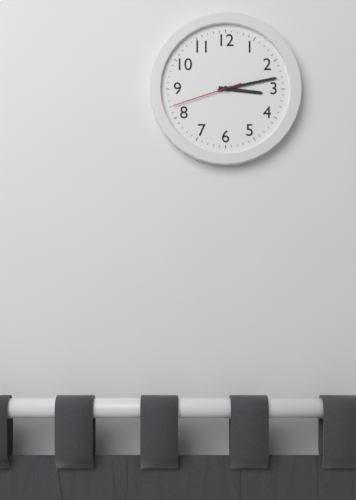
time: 3:13:42
